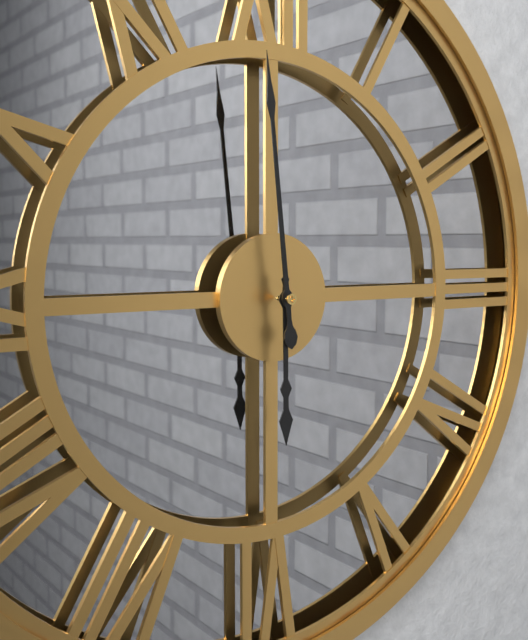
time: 5:59
